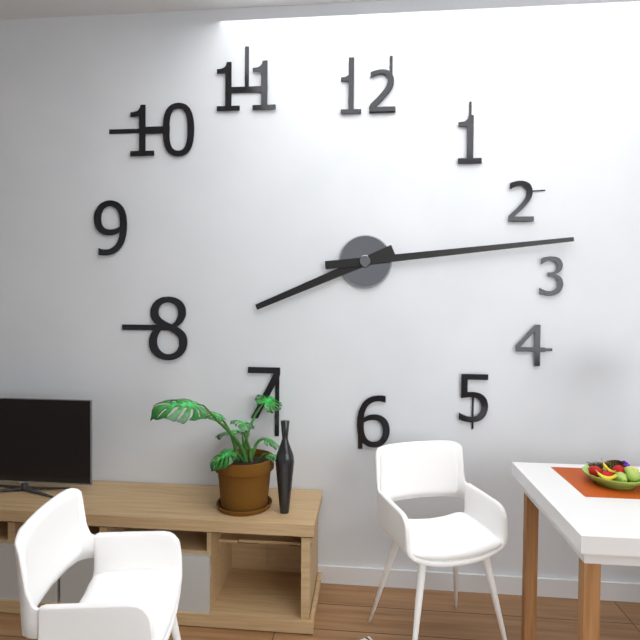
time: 8:14
